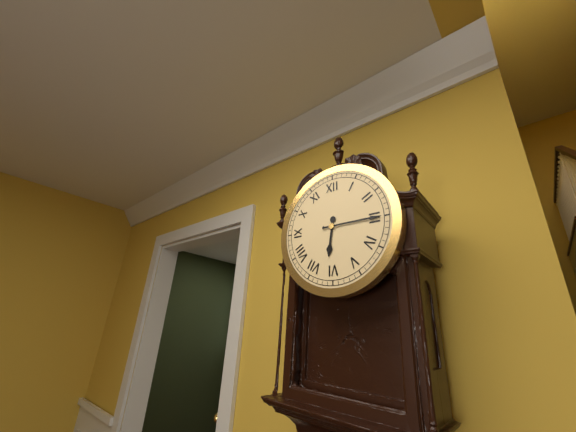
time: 6:15
